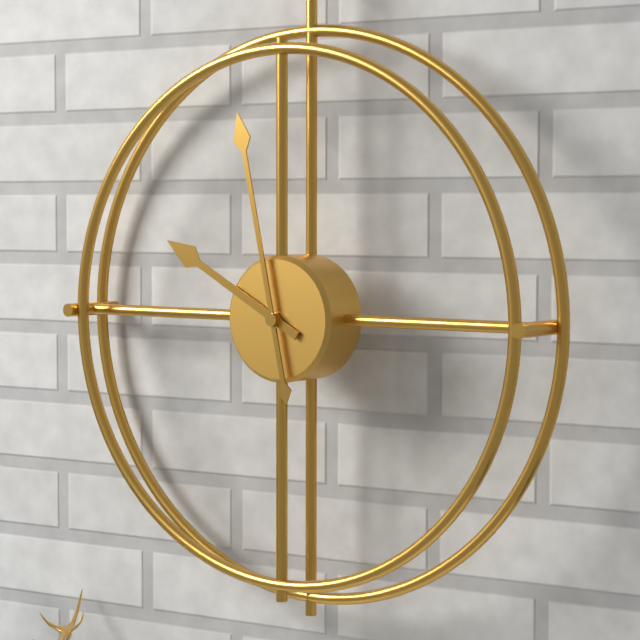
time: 9:58
